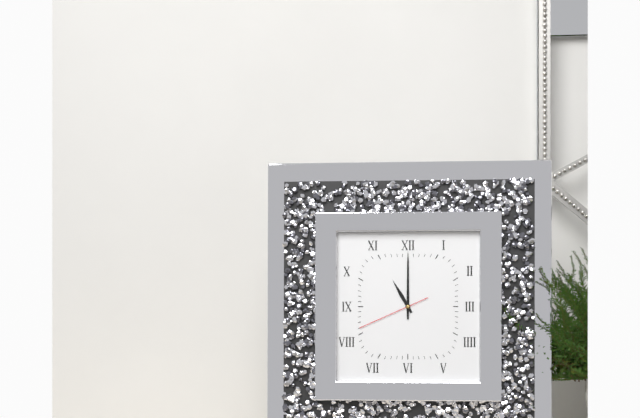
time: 11:00:41
